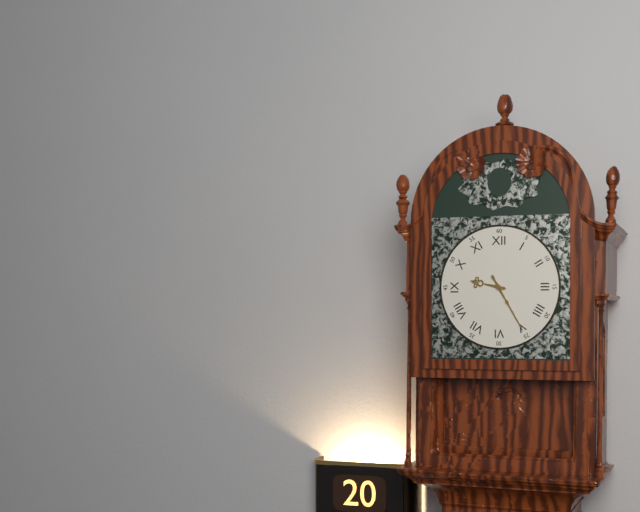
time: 9:25
